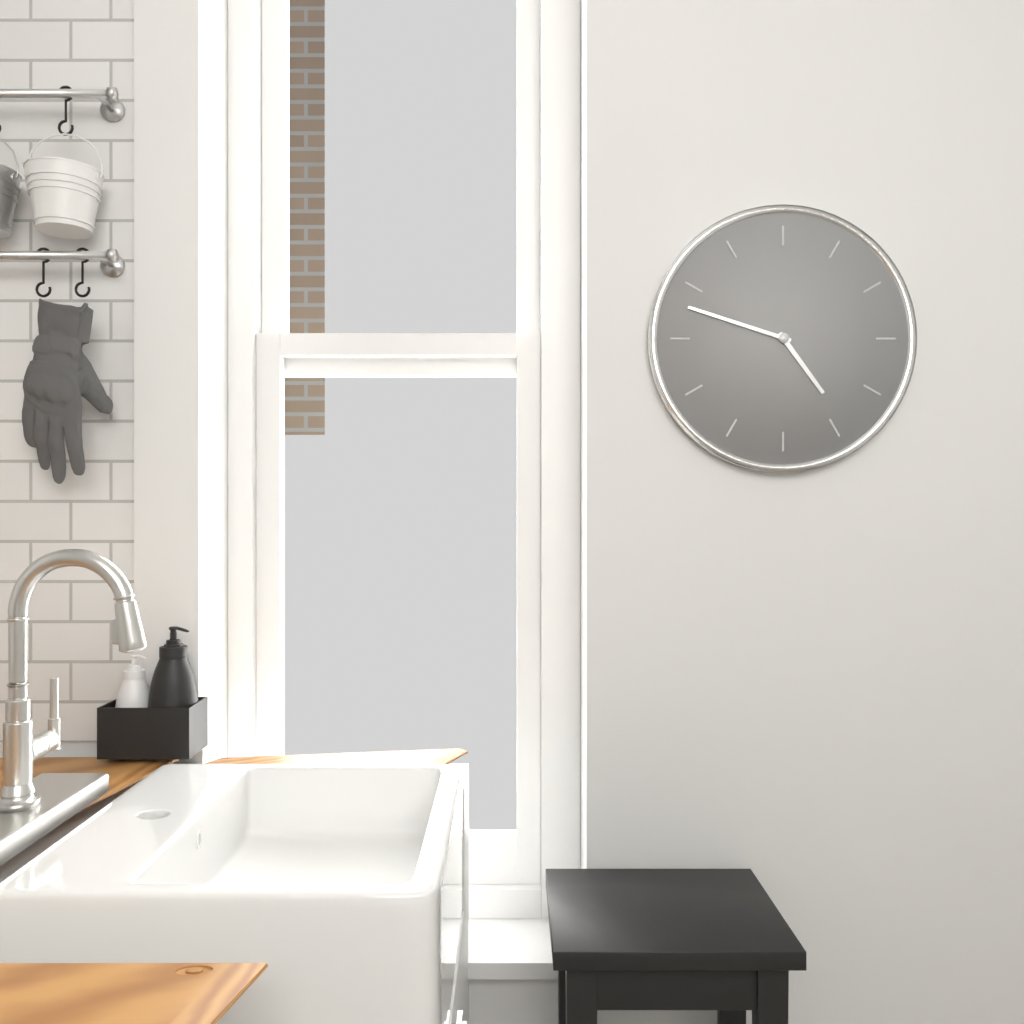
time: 4:48
